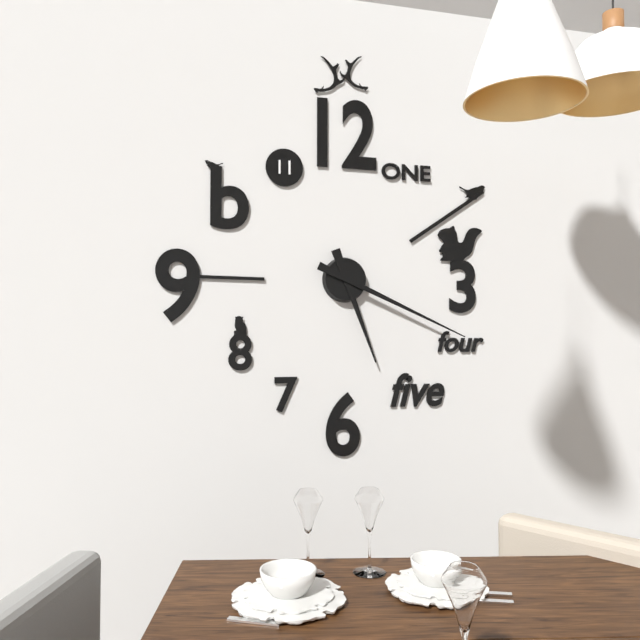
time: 5:19
